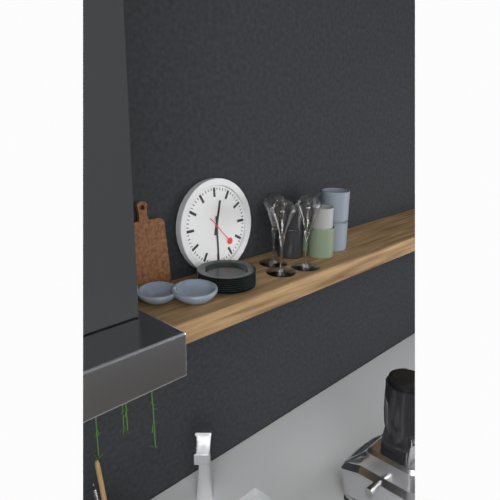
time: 12:30
